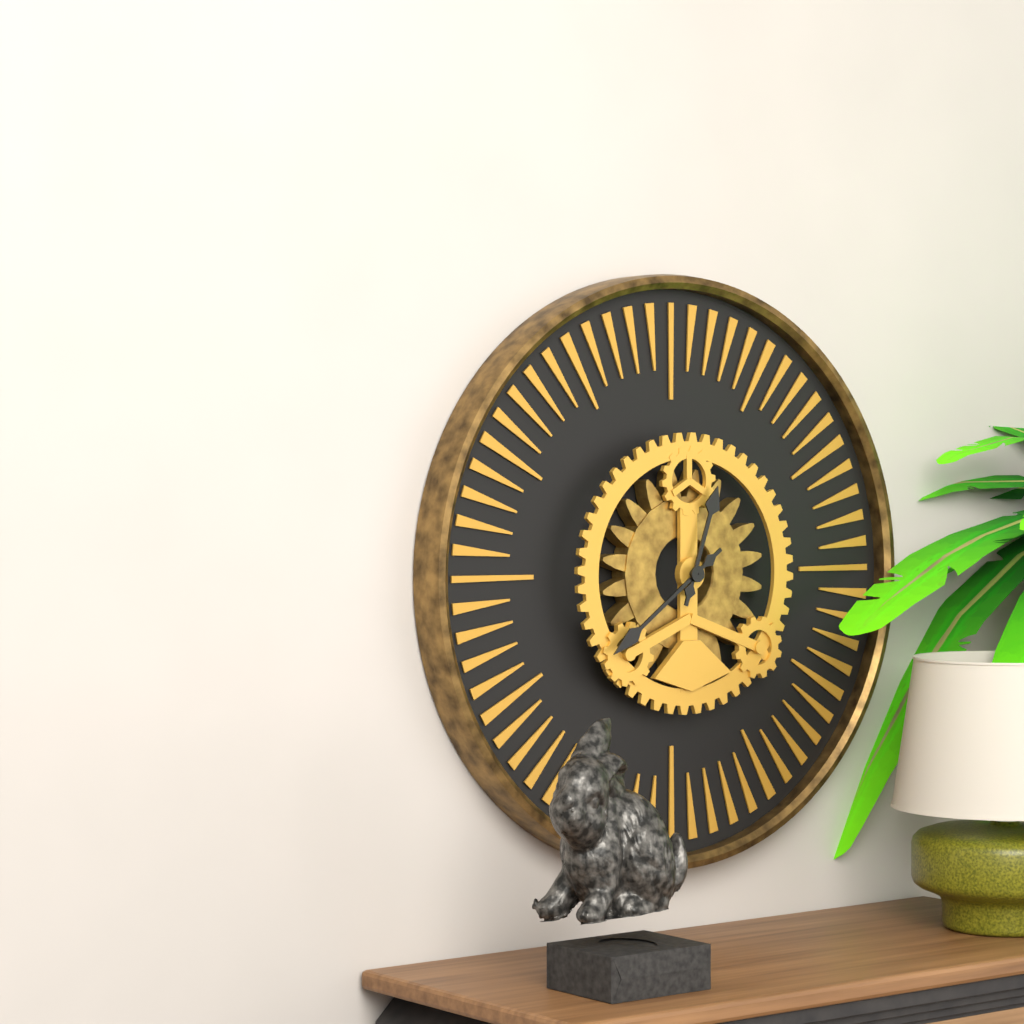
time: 12:39
